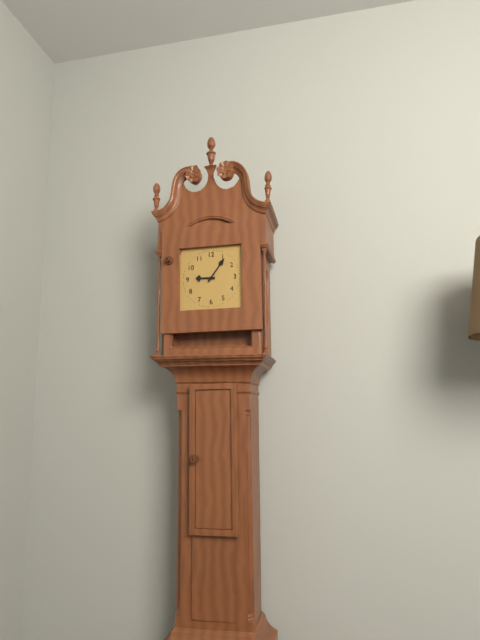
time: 9:06
